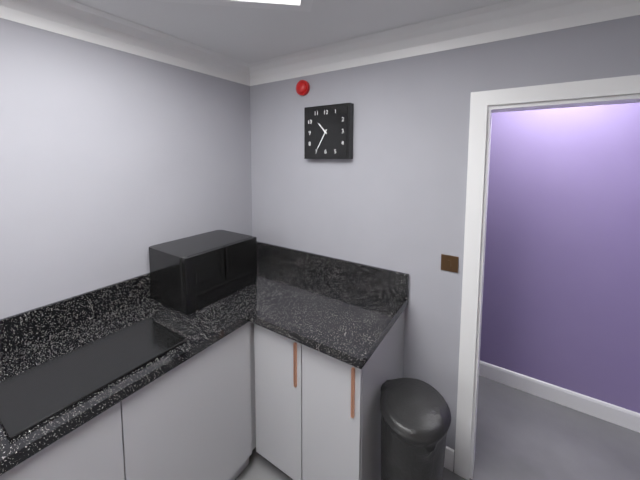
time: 10:35
